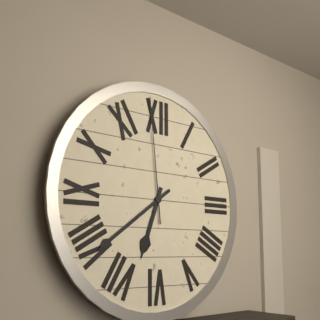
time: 6:39:59
